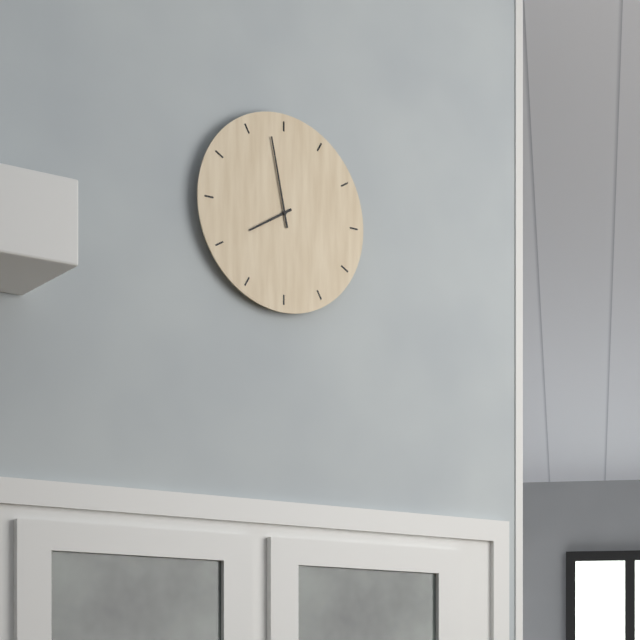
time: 7:58
